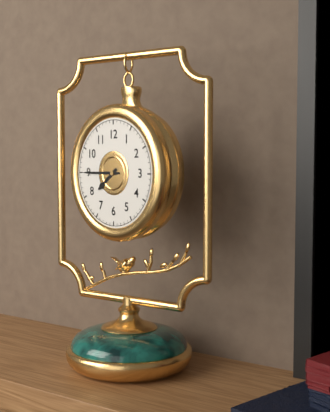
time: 7:45
